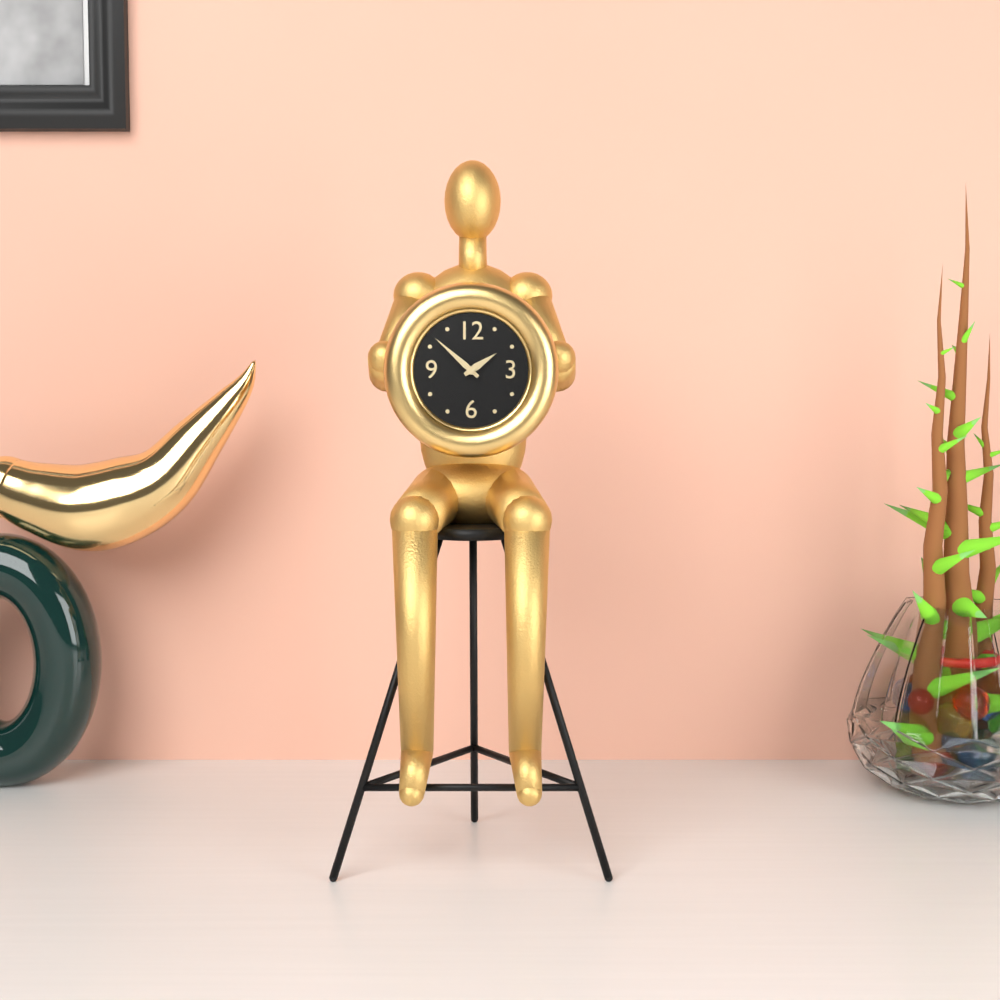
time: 1:52
